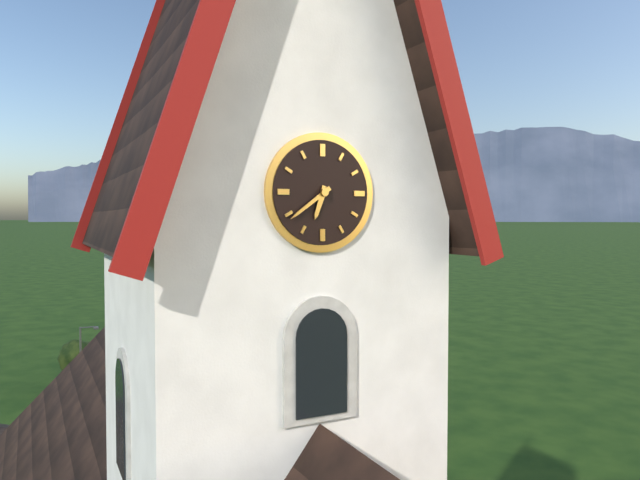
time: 6:39
